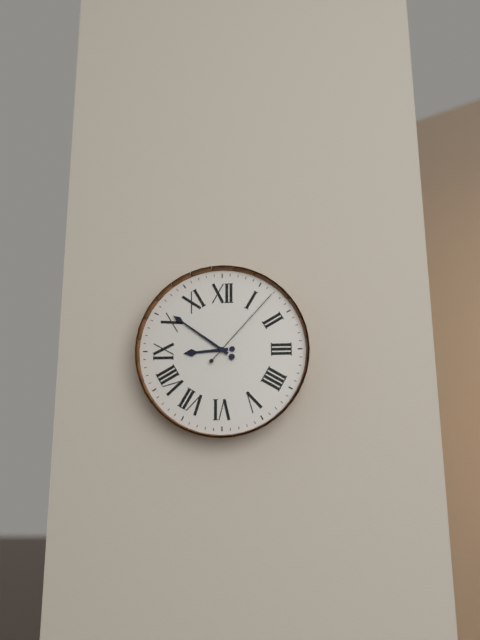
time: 8:51:07
